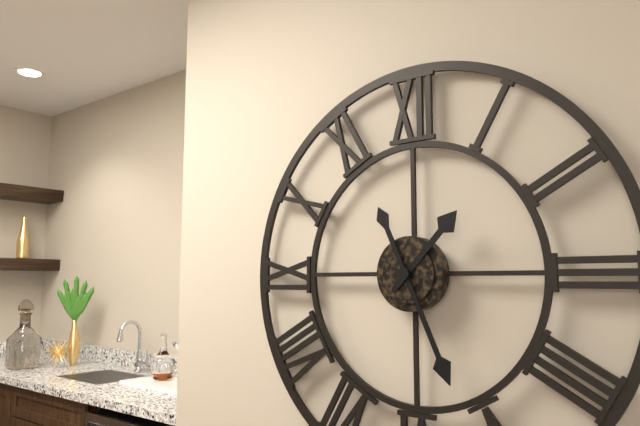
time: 1:26
